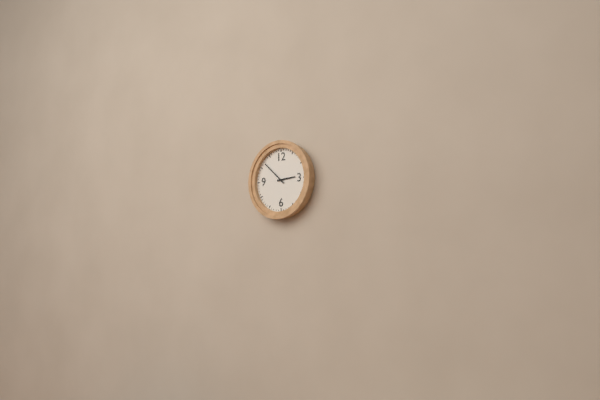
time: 2:52
